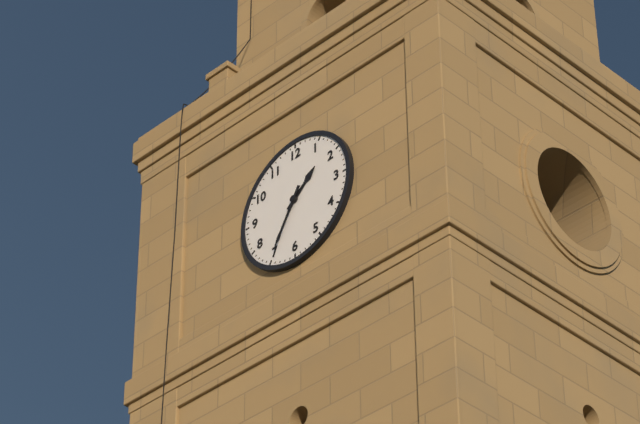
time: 1:35
